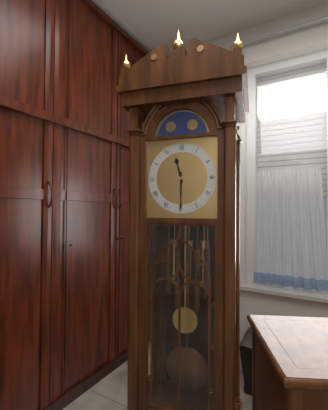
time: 11:30
